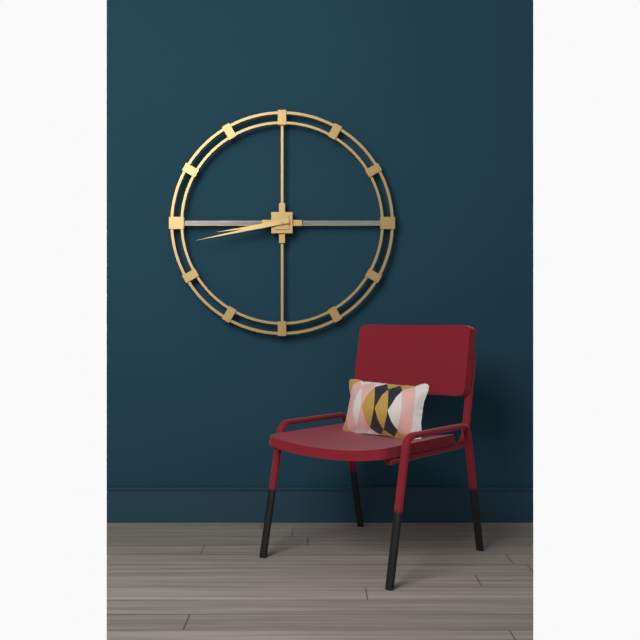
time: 8:43
